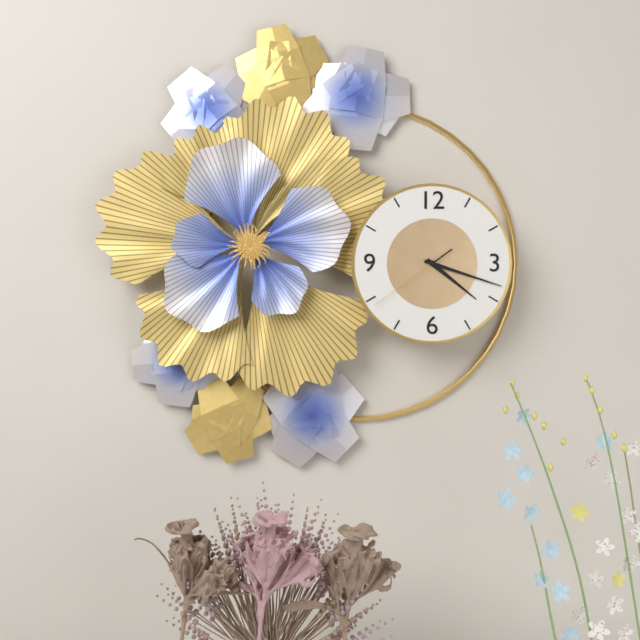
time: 4:18:39
